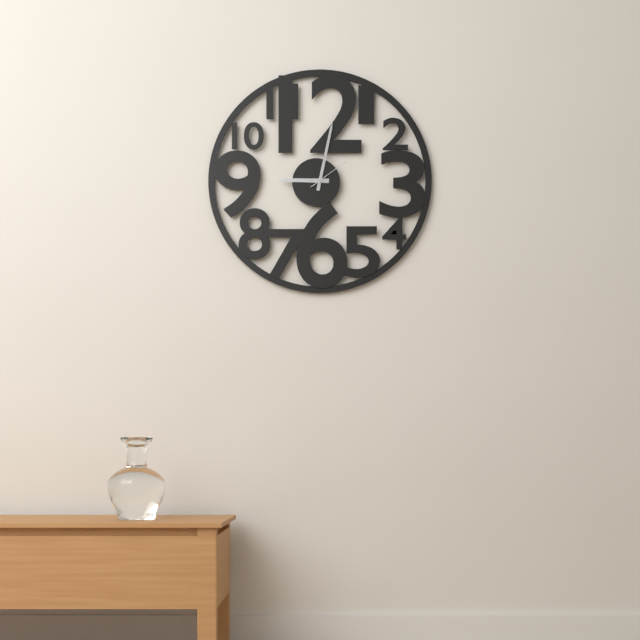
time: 9:02
